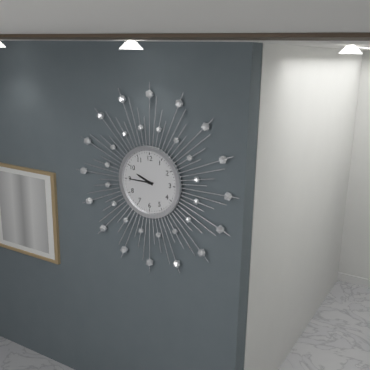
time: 9:45
